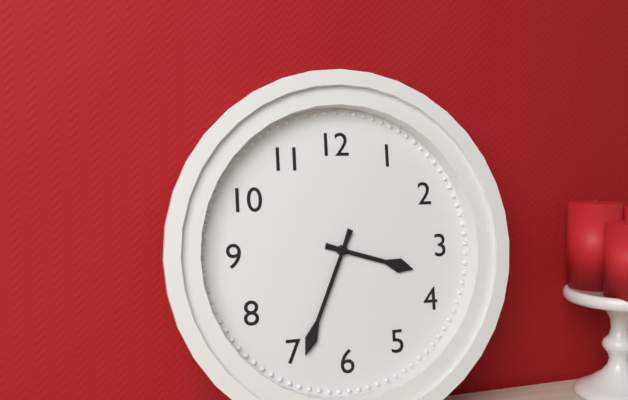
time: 3:34
